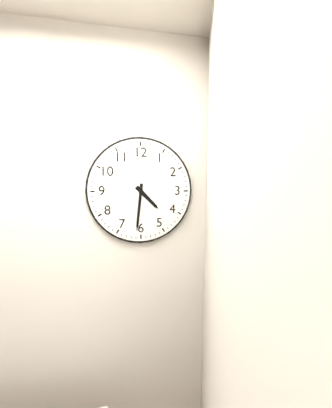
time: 4:31
